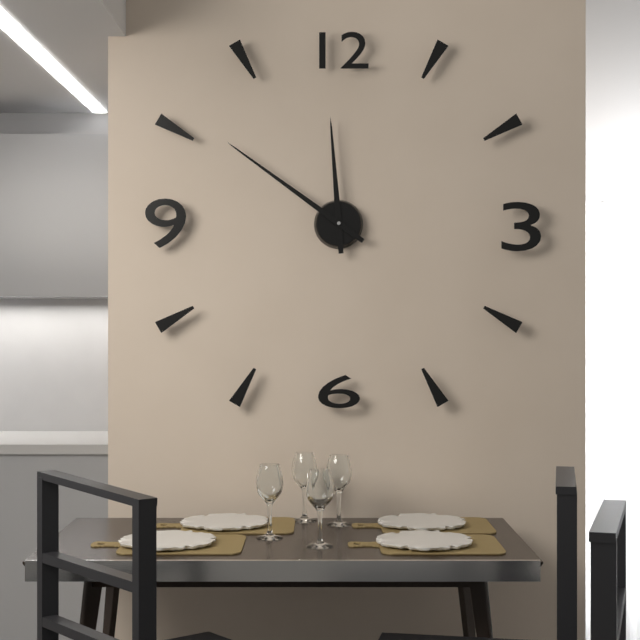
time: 11:51
